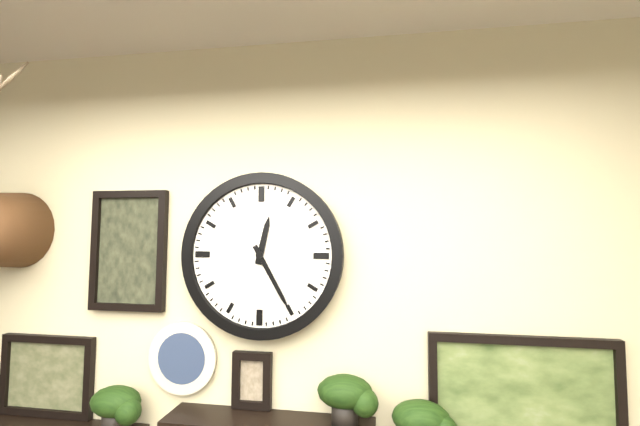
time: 12:25
